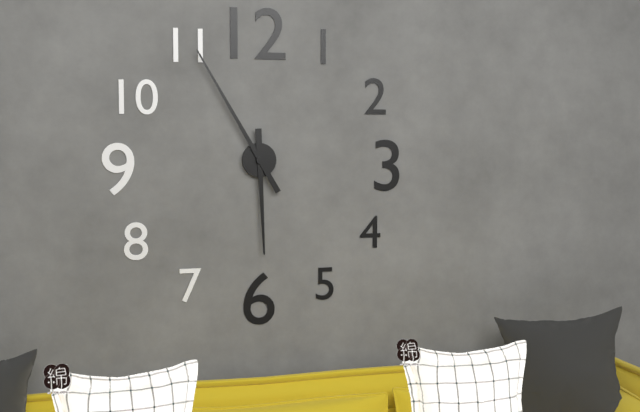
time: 5:55
